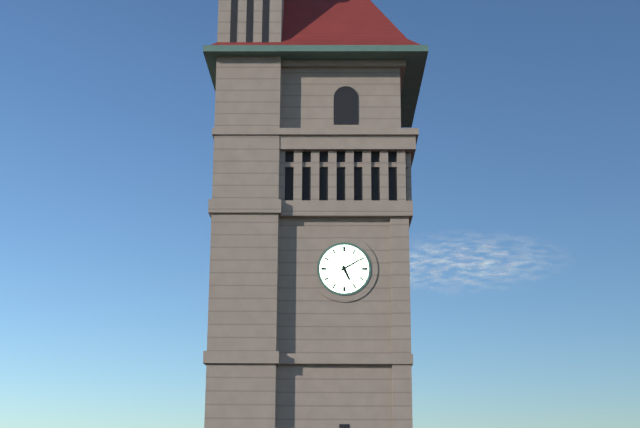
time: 5:10
